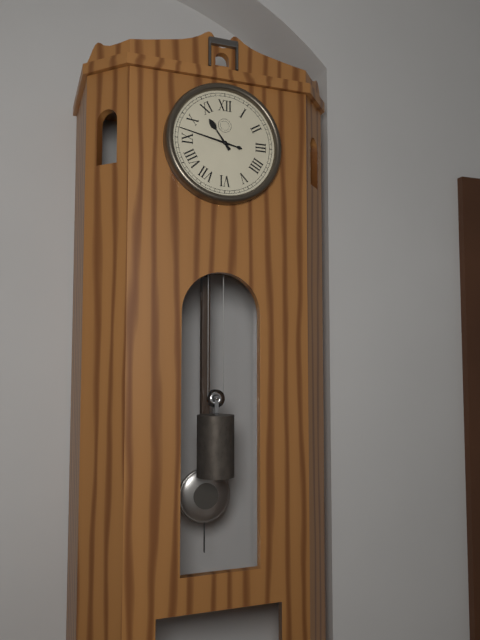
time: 10:47
